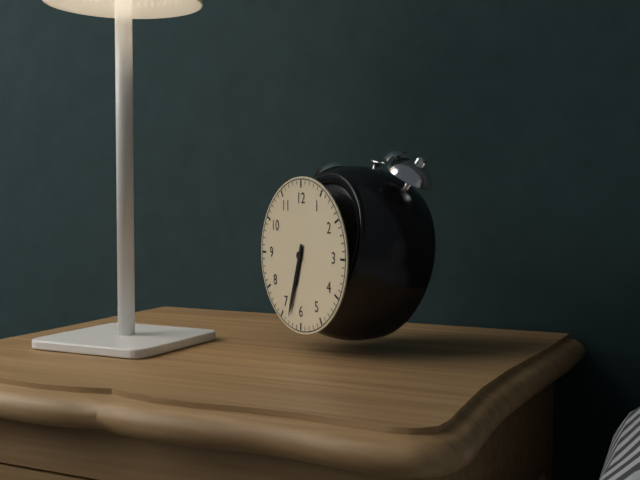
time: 6:33
